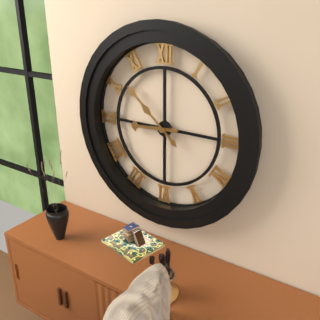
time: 8:52
